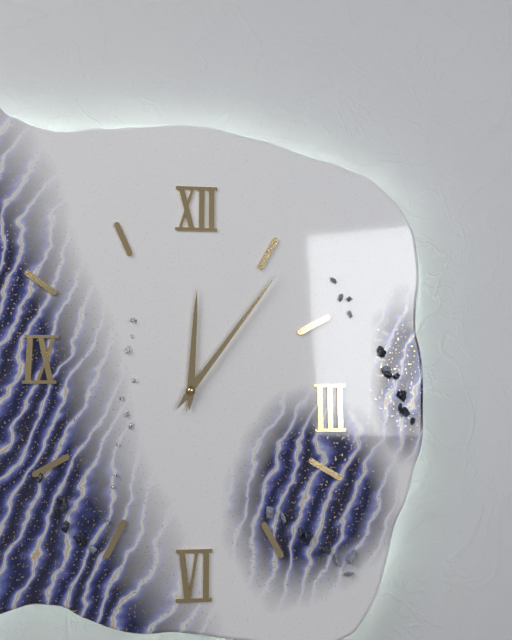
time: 12:06
